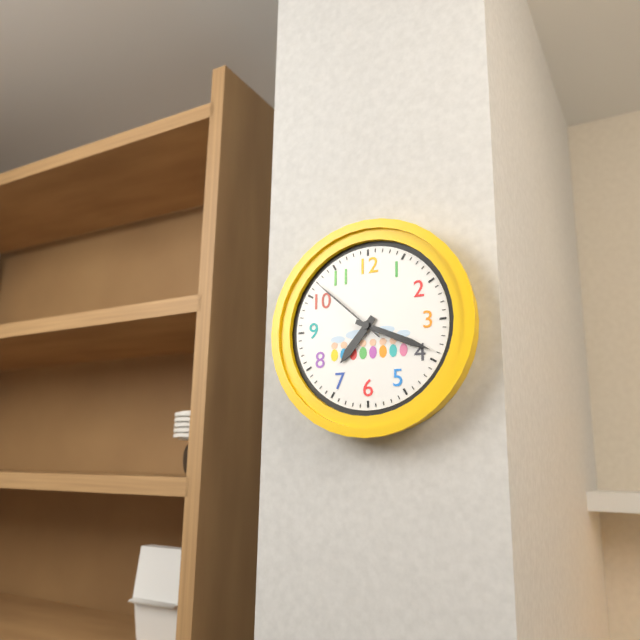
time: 7:19:52
